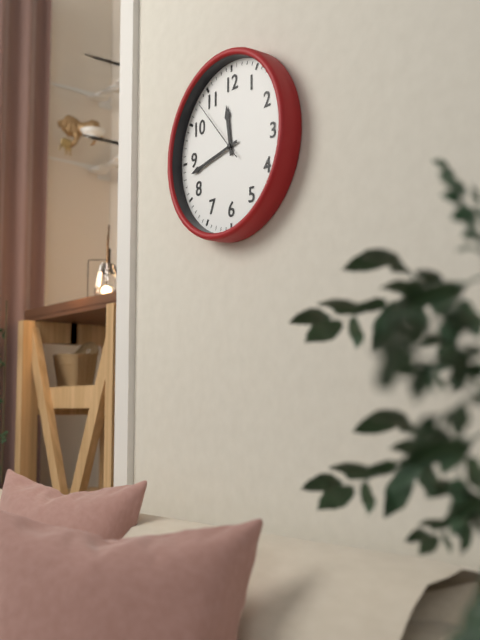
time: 11:43:53
